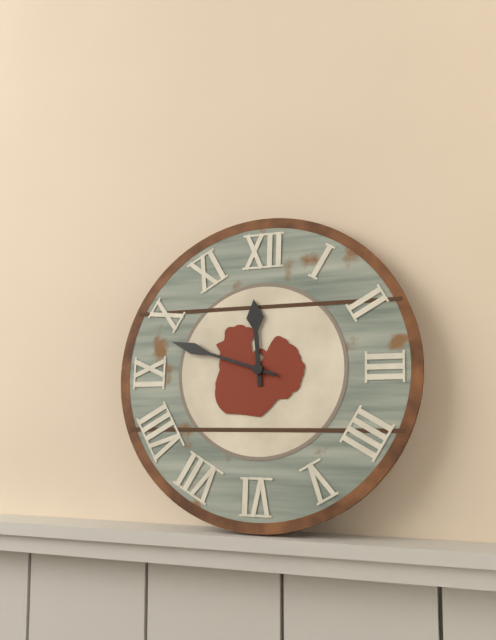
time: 11:48
